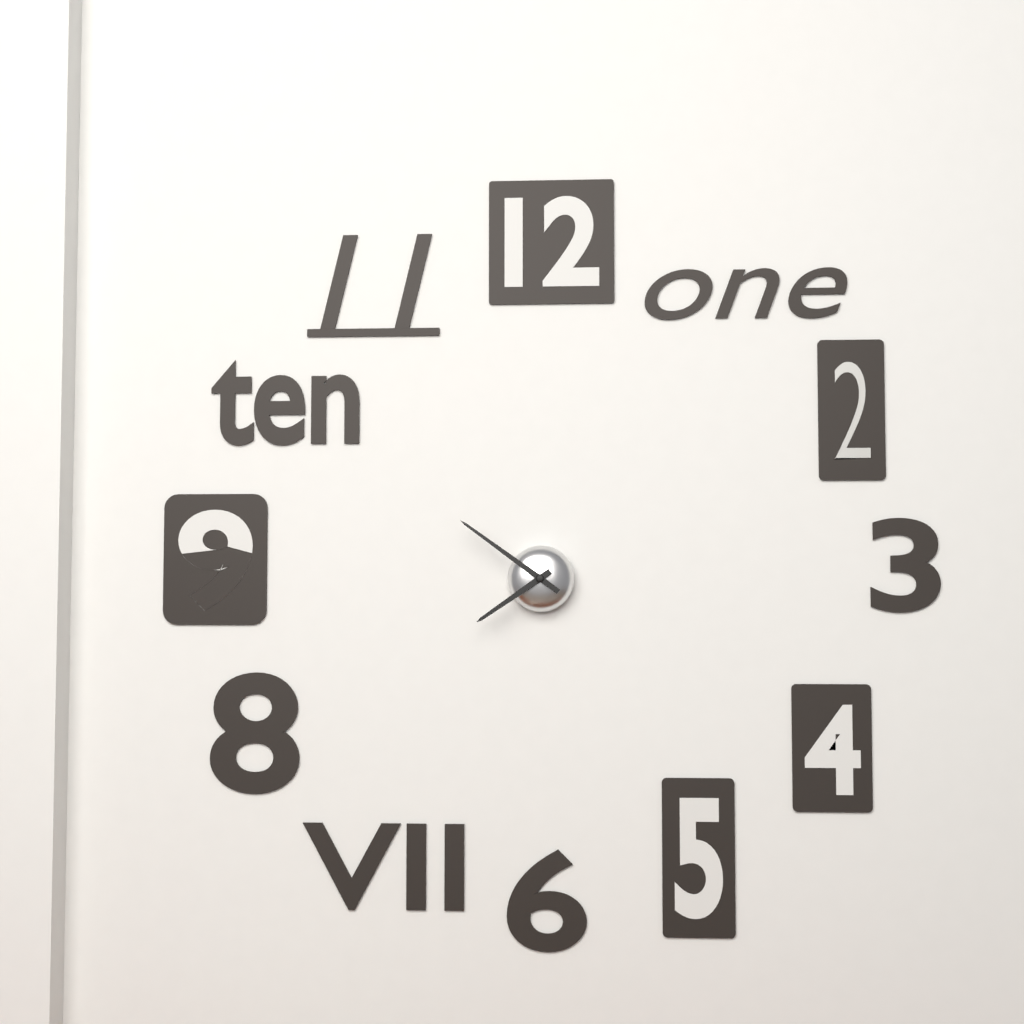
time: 7:51
